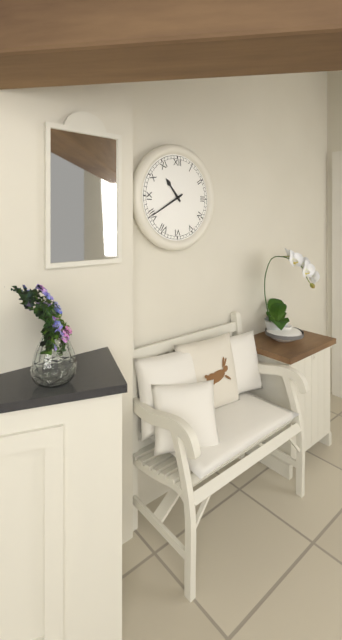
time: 10:40
